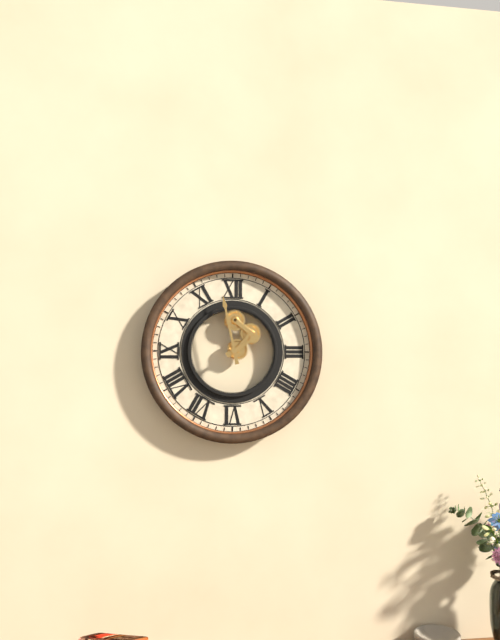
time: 1:58
